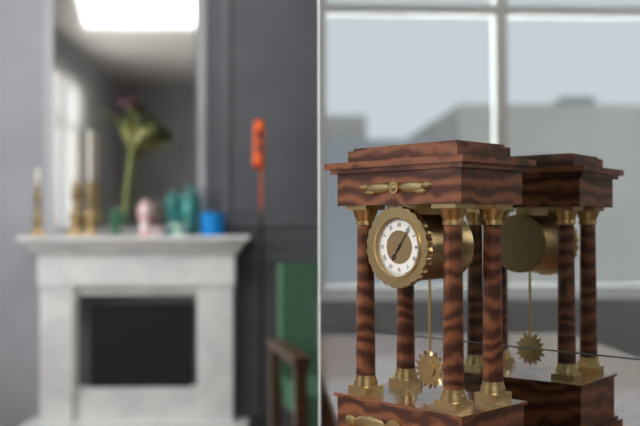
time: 7:06
